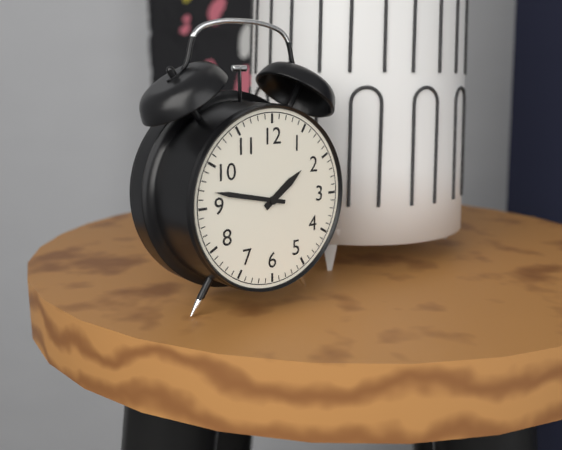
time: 1:47
